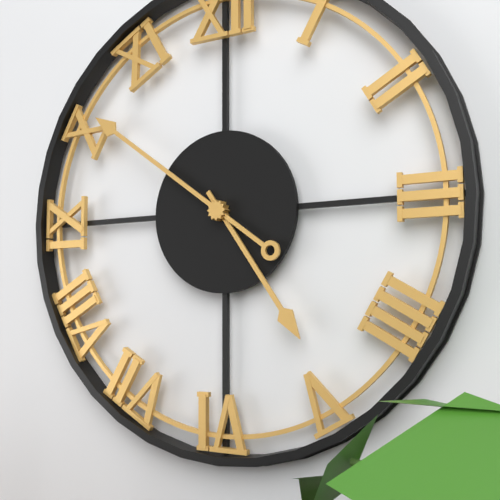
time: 4:51
